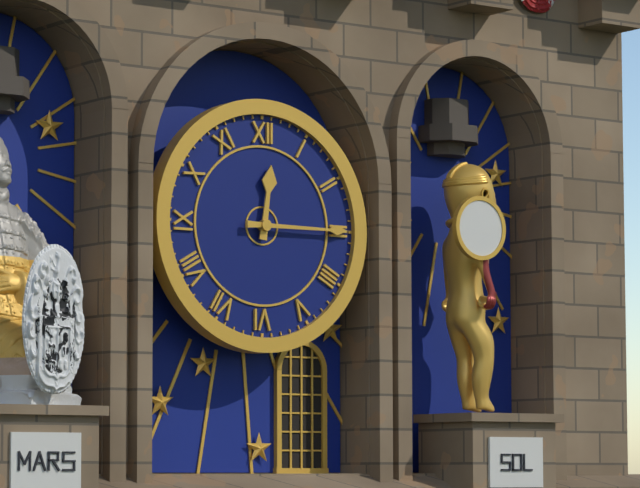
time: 12:15
